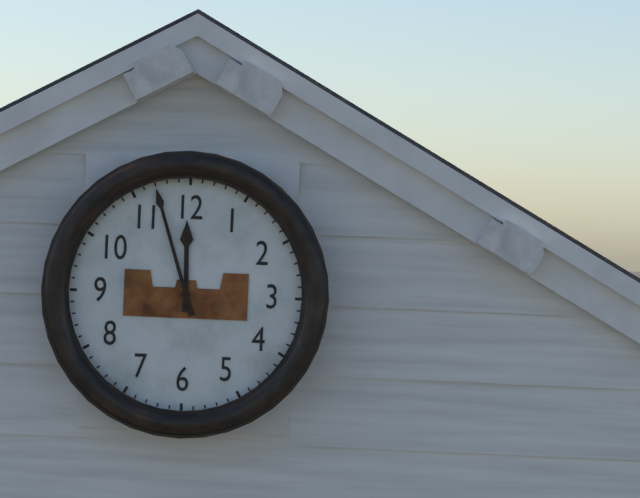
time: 11:57
